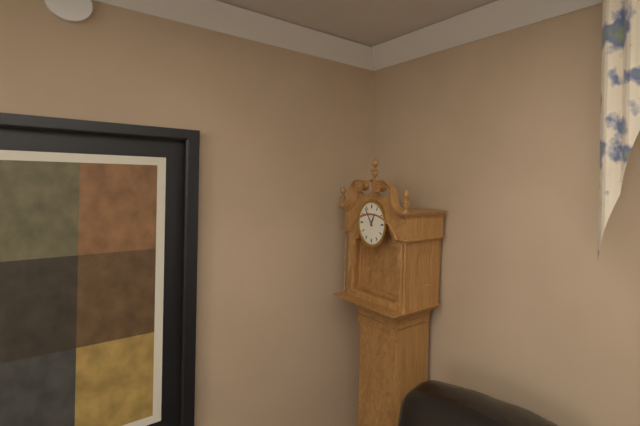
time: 12:54
